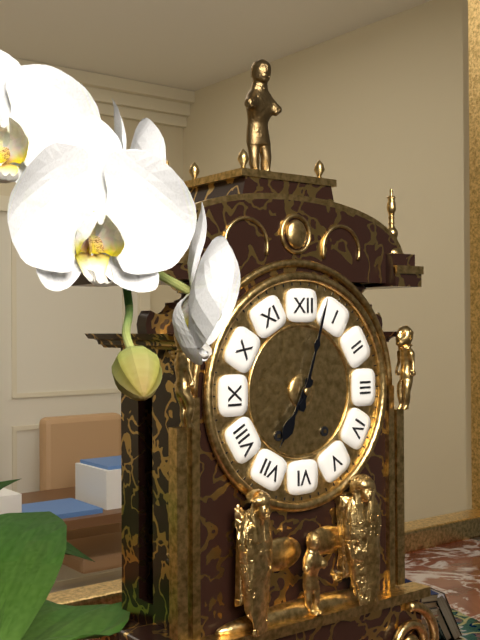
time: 7:03
